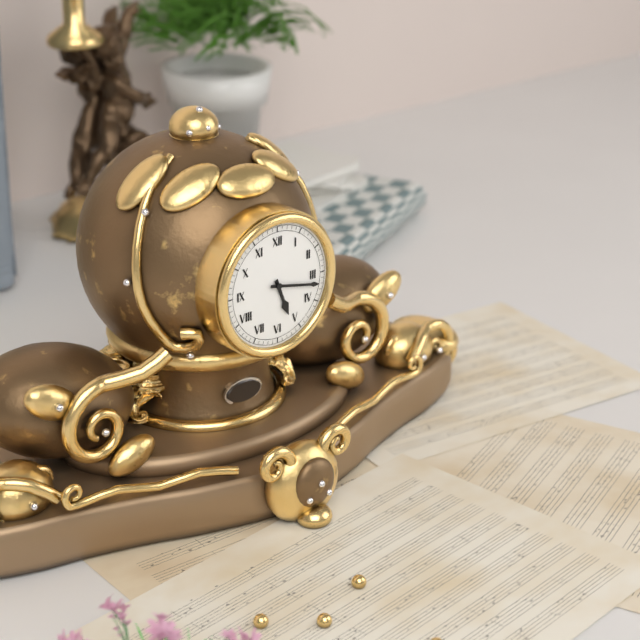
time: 5:17
